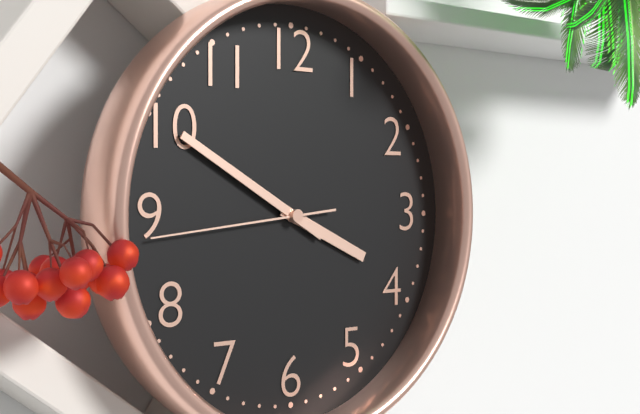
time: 3:50:44
